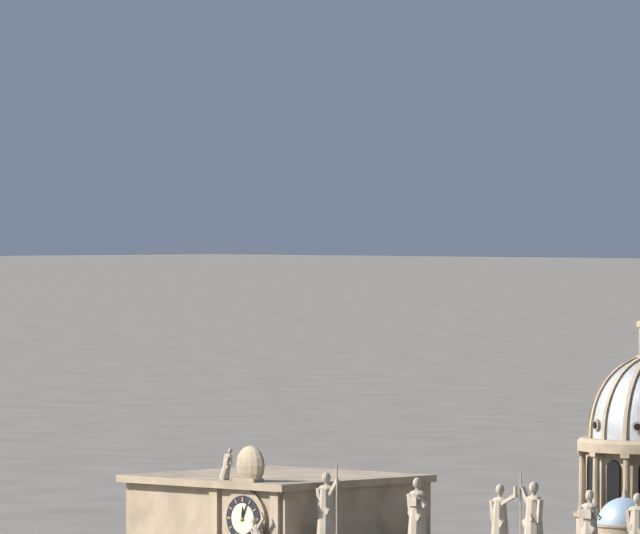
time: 12:04
